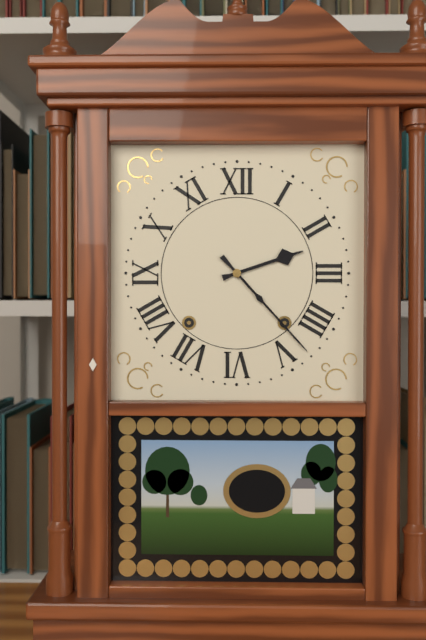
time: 2:23
